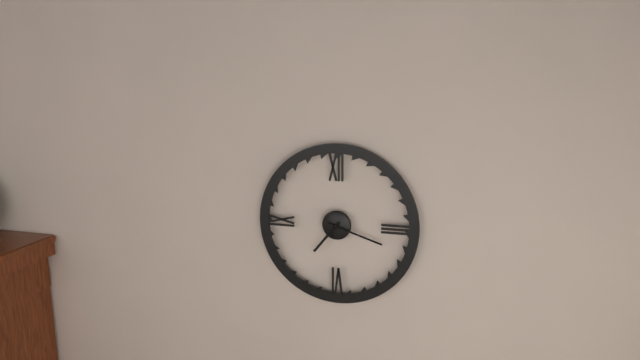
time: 7:18
